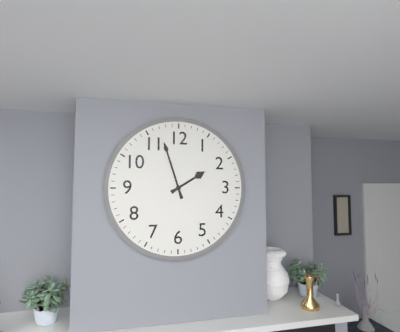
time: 1:57
